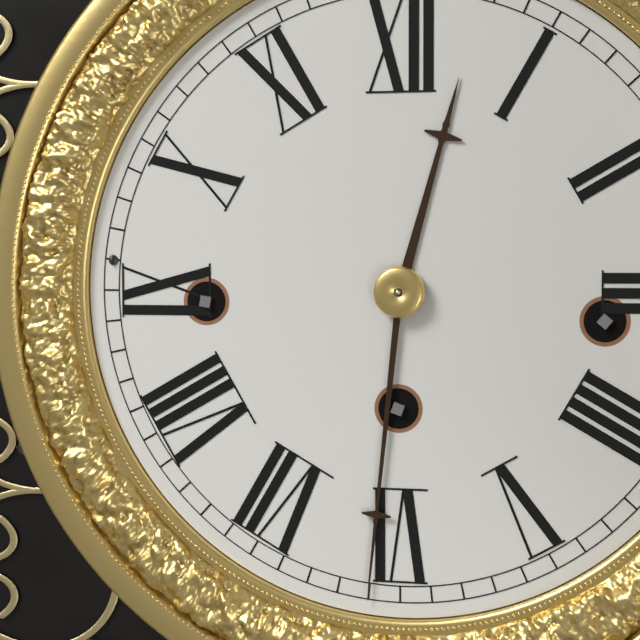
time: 12:31
